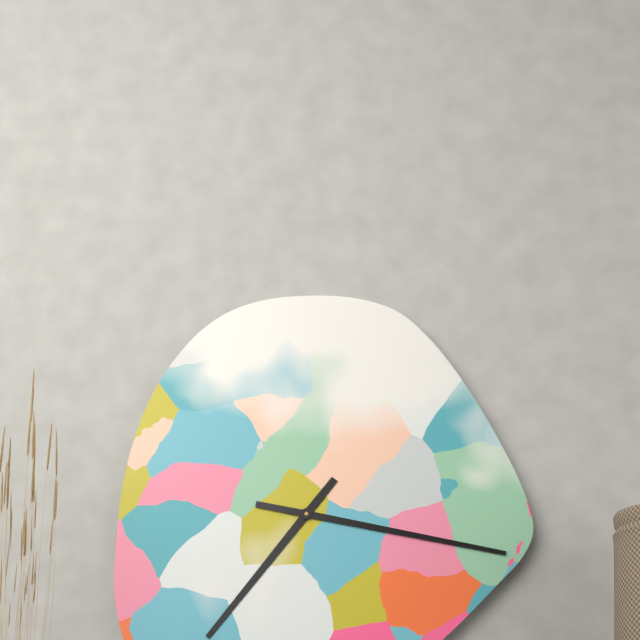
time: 7:17
